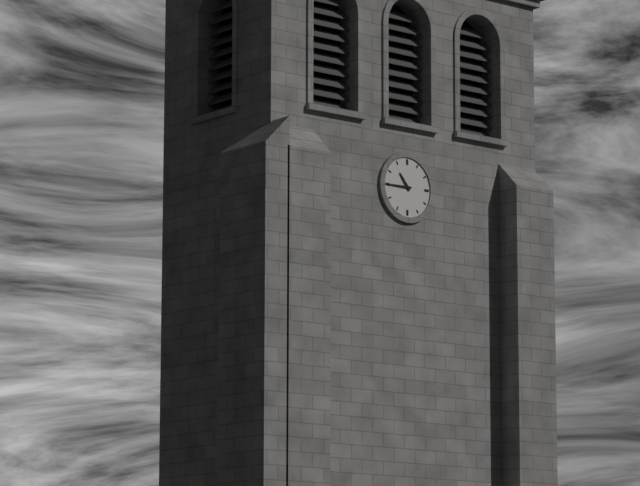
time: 10:45
